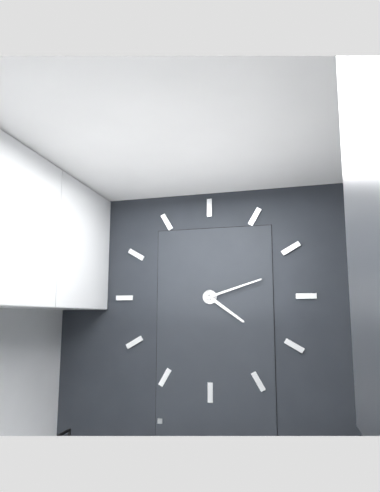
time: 4:12
